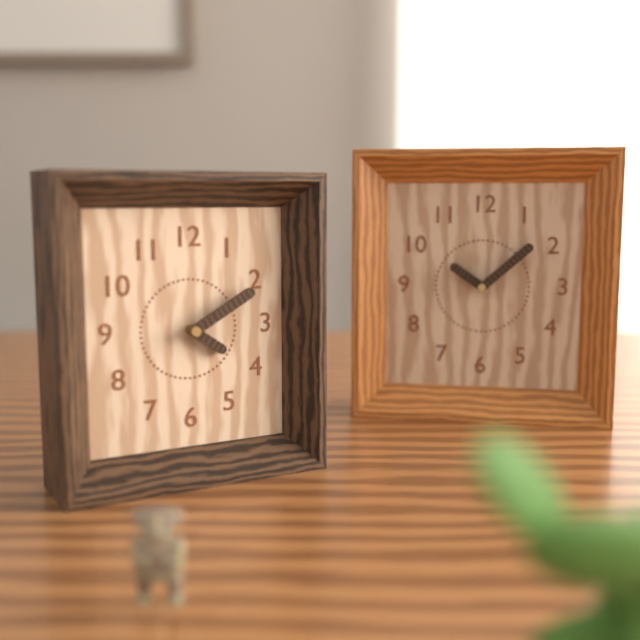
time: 4:10
